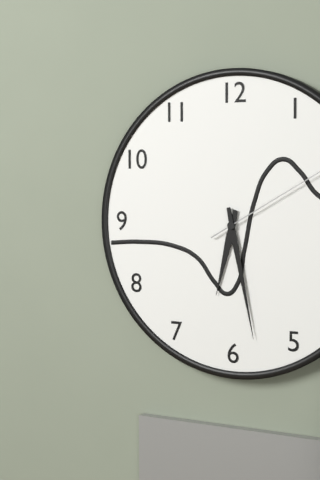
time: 6:28
